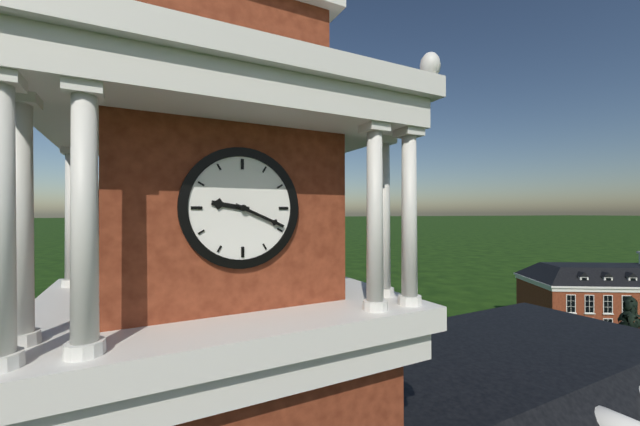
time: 9:19
